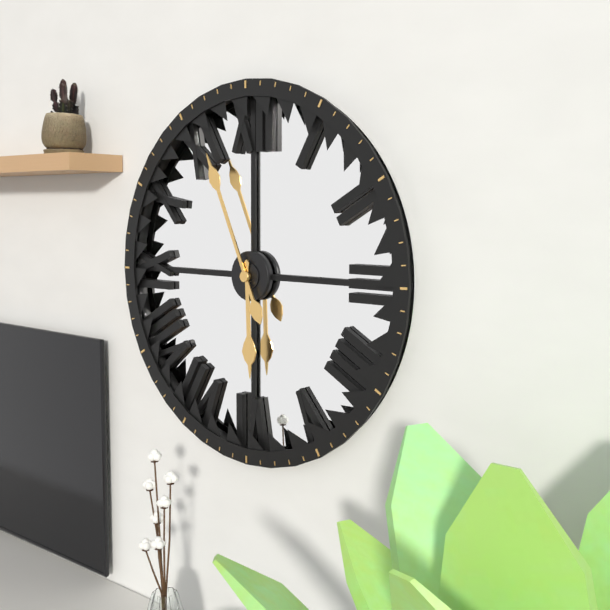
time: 5:56
